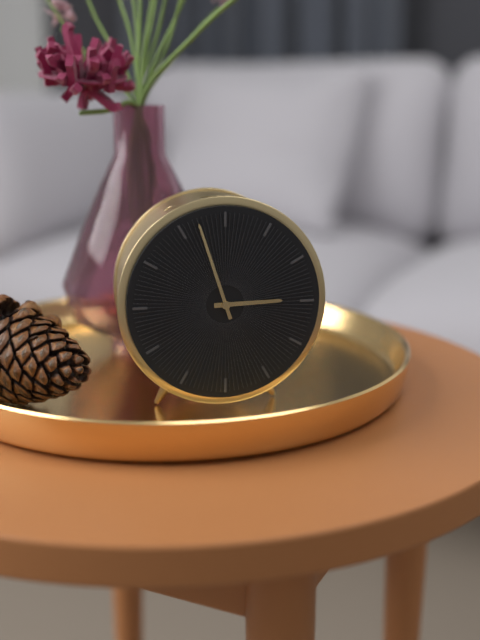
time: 2:57
